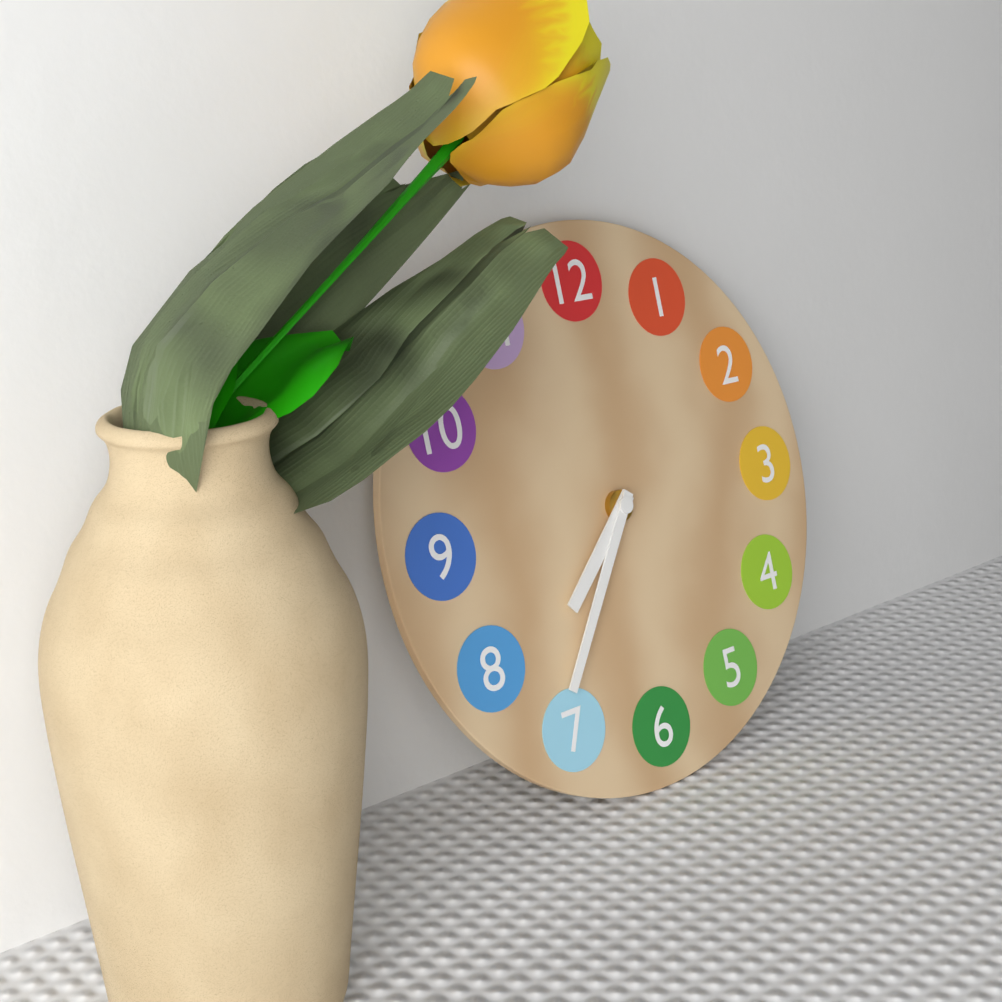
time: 7:36
